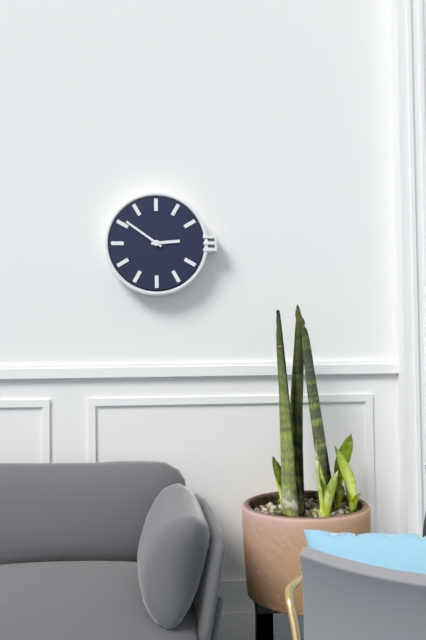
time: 2:51
